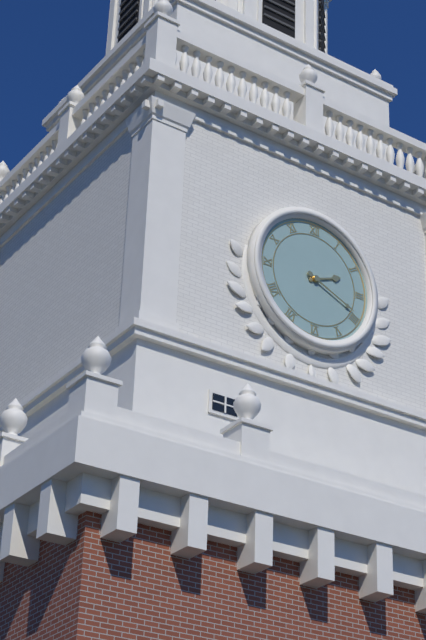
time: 2:19
